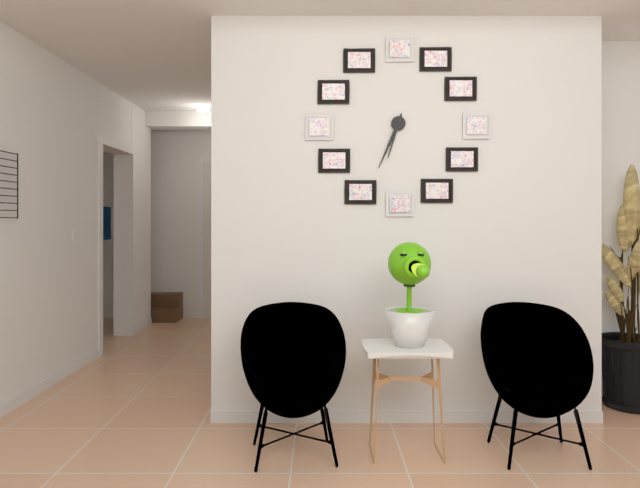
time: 6:34
